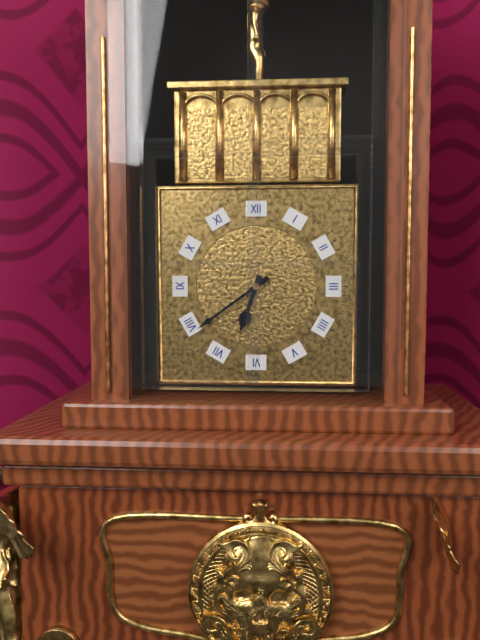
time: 6:39
